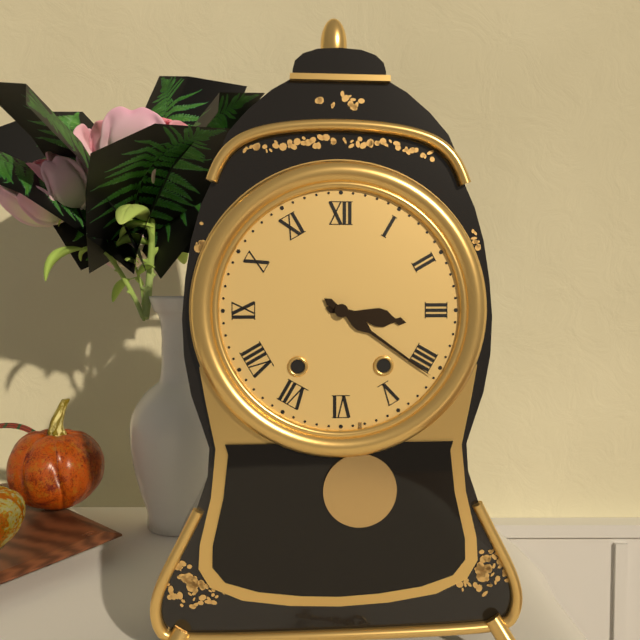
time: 3:21
